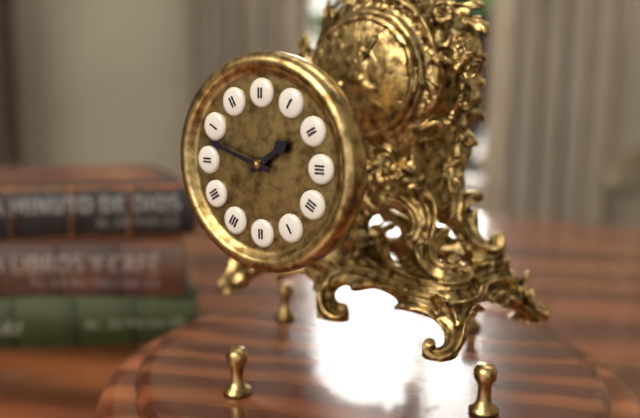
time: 1:48
